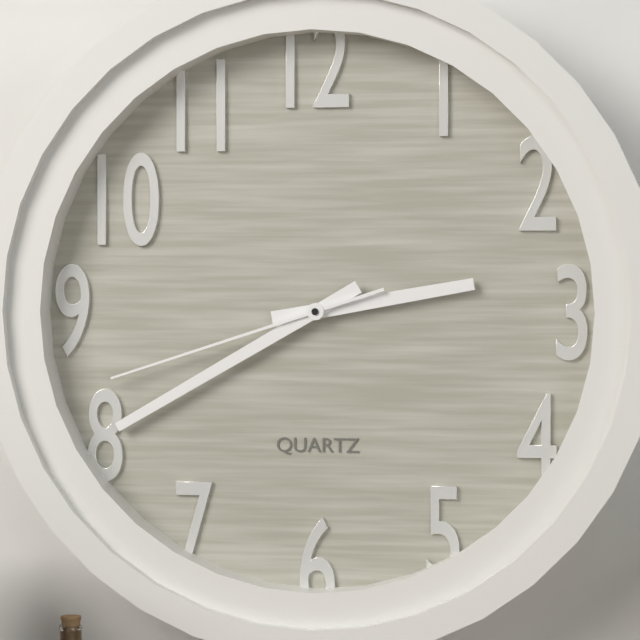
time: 2:40:42
